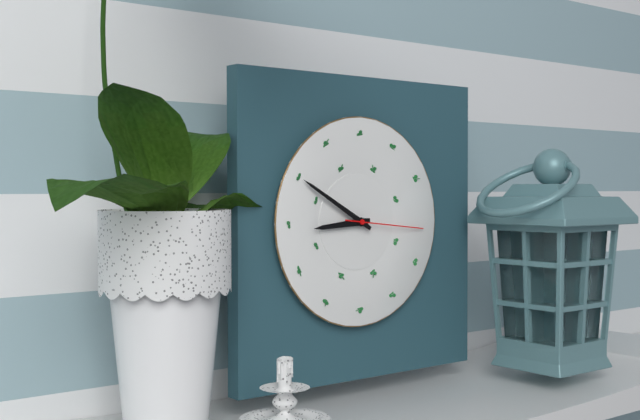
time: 8:50:16
